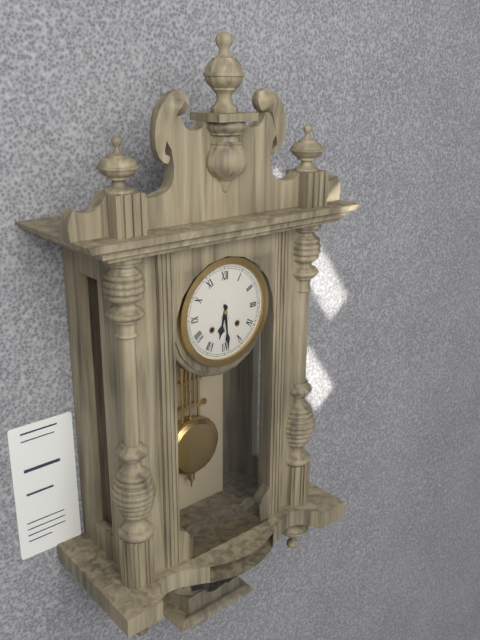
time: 6:29
